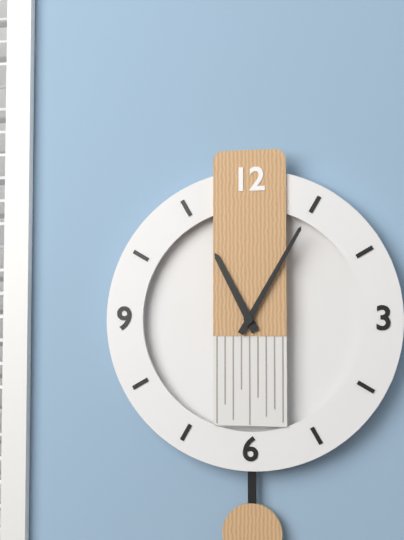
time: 11:05
